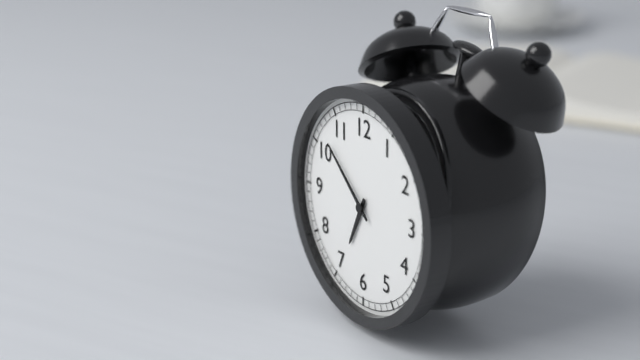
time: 6:52
